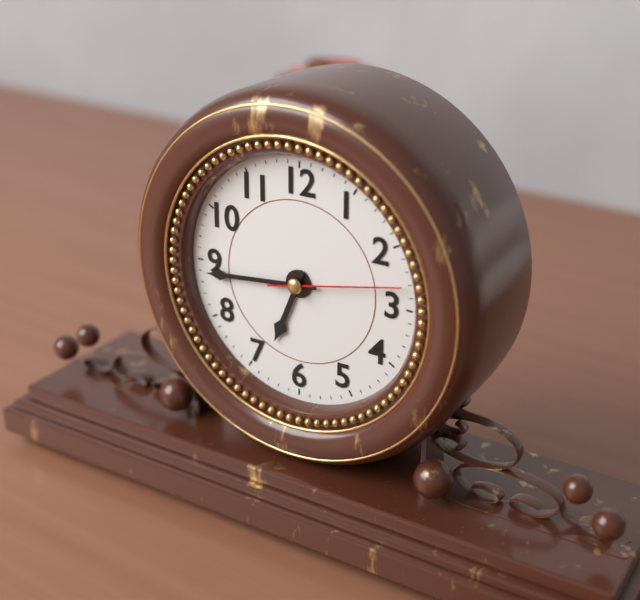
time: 6:44:13
